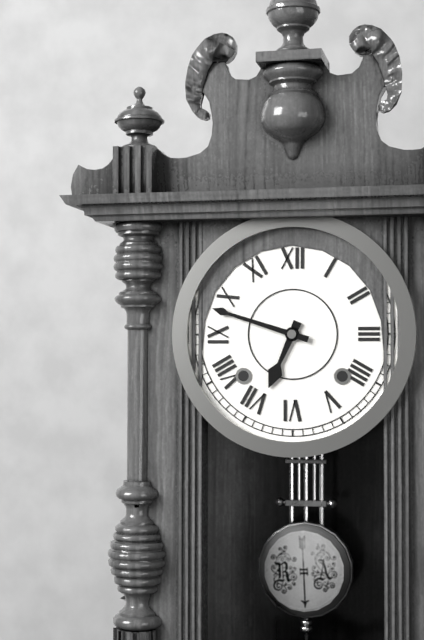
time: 6:48
